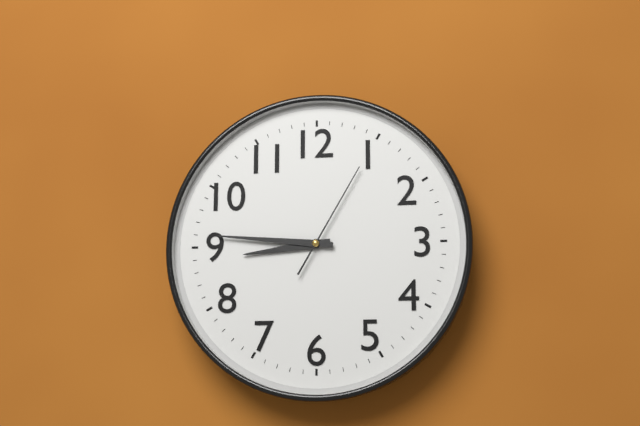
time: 8:46:05
